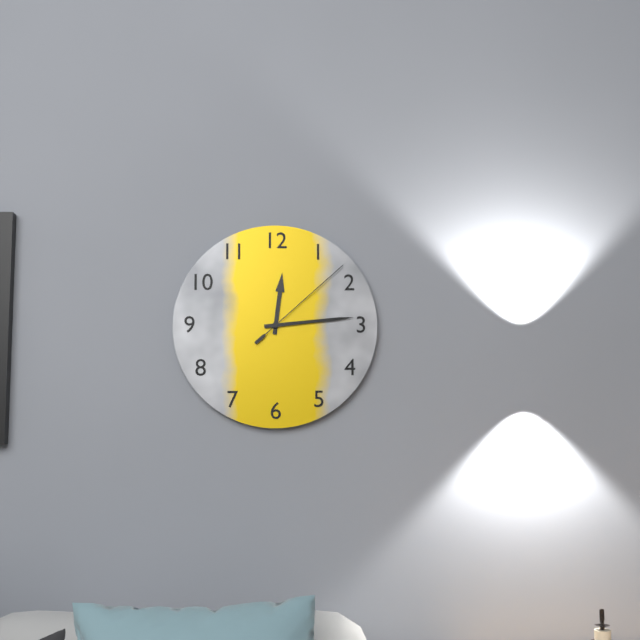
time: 12:14:08
